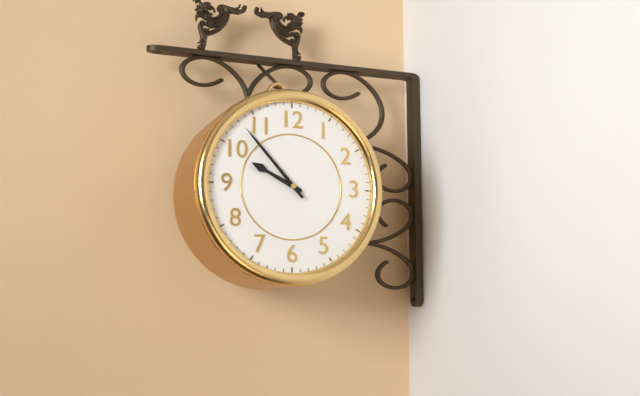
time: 9:53
